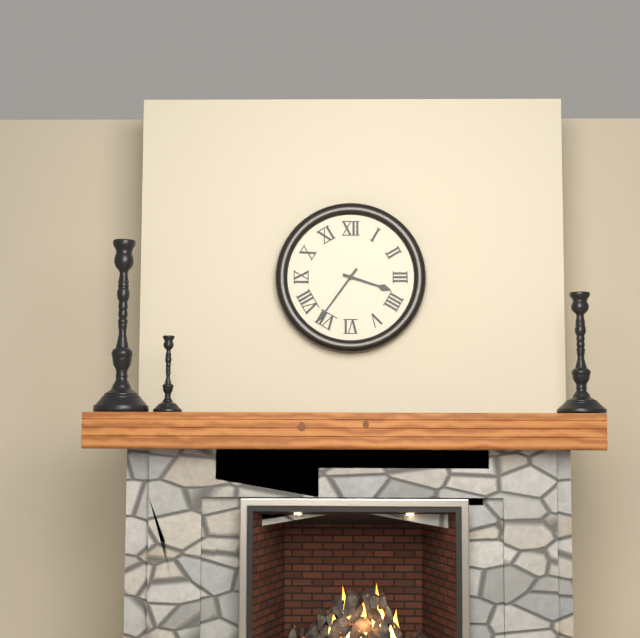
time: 3:36
